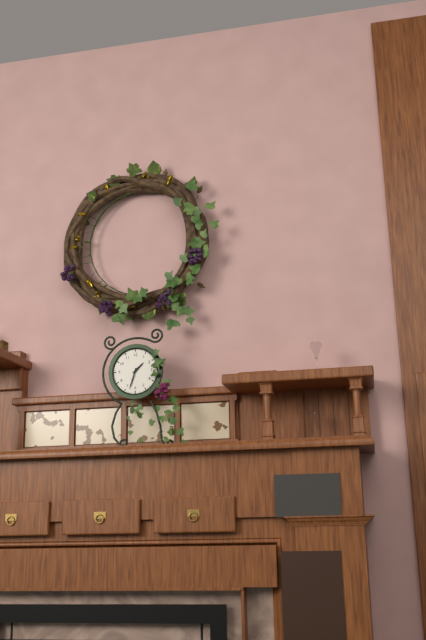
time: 1:33
